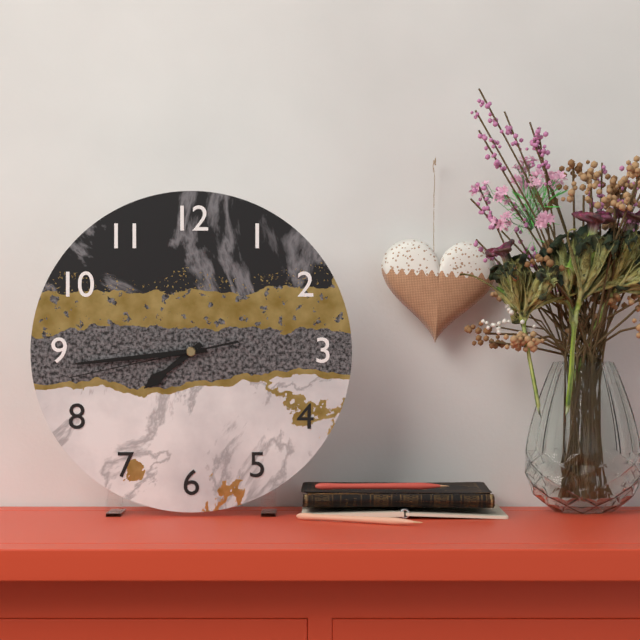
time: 7:44:43
